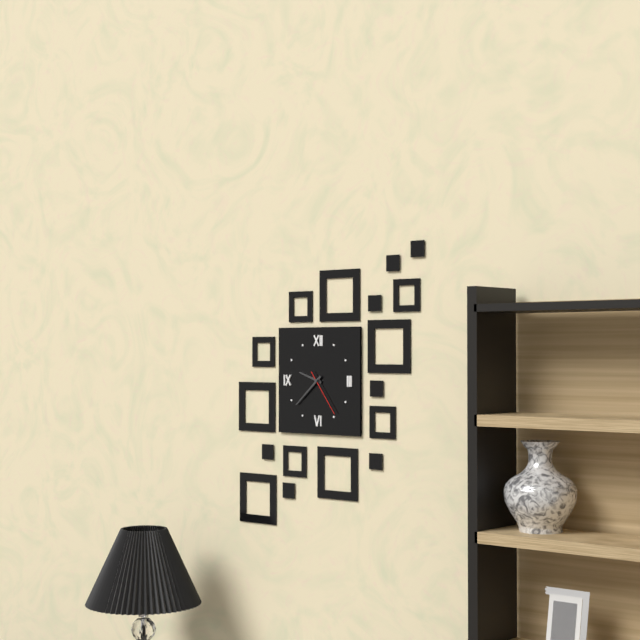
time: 9:38
